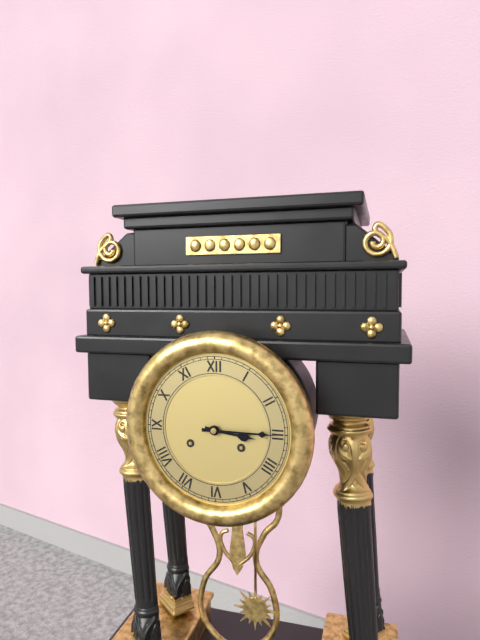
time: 3:15
